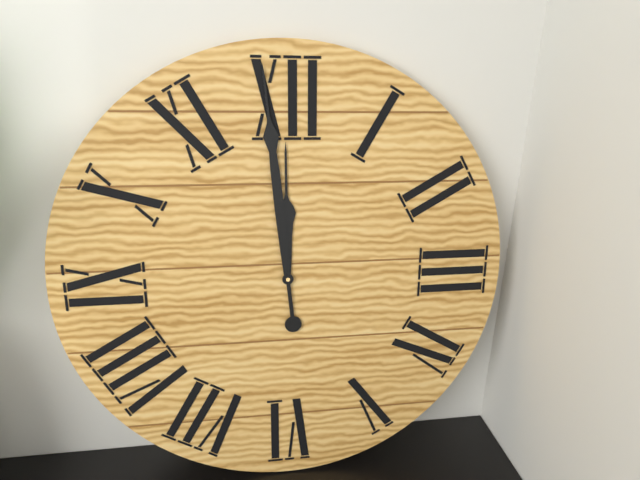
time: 11:59
